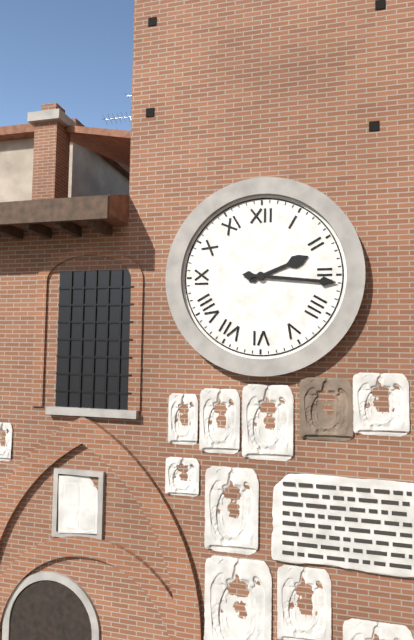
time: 2:16
